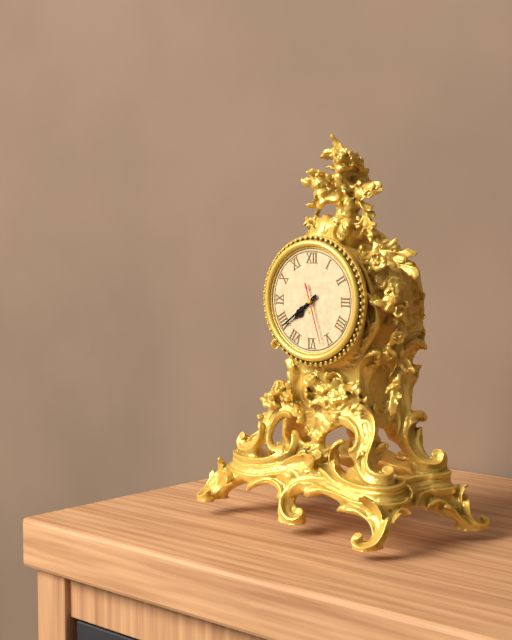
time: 7:39:27
